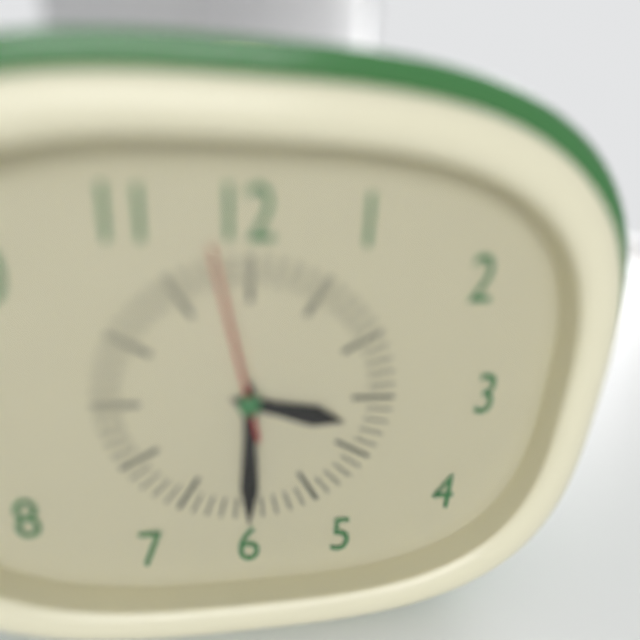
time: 3:30:58
